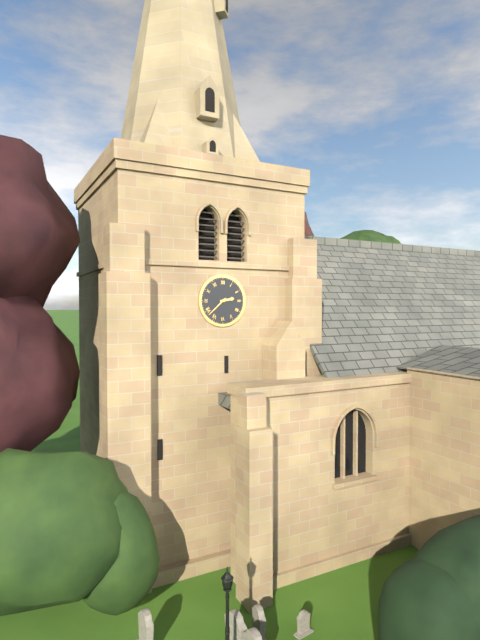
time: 2:38
